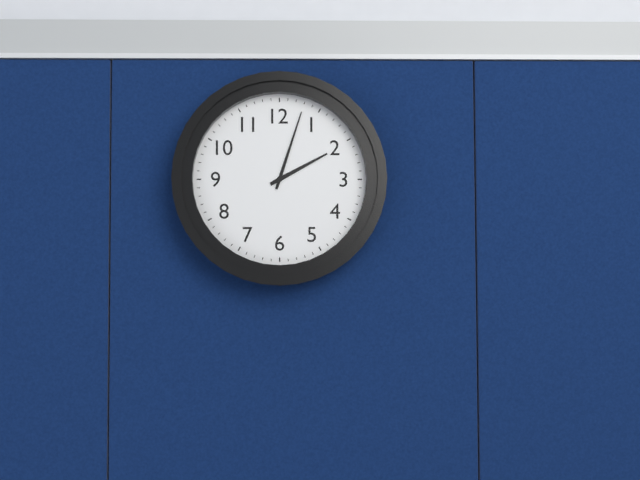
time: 2:03
